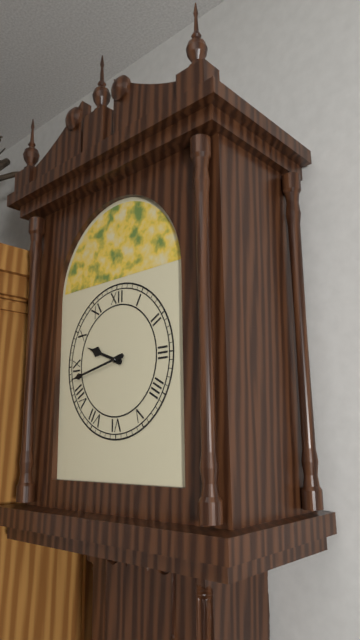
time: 9:43
